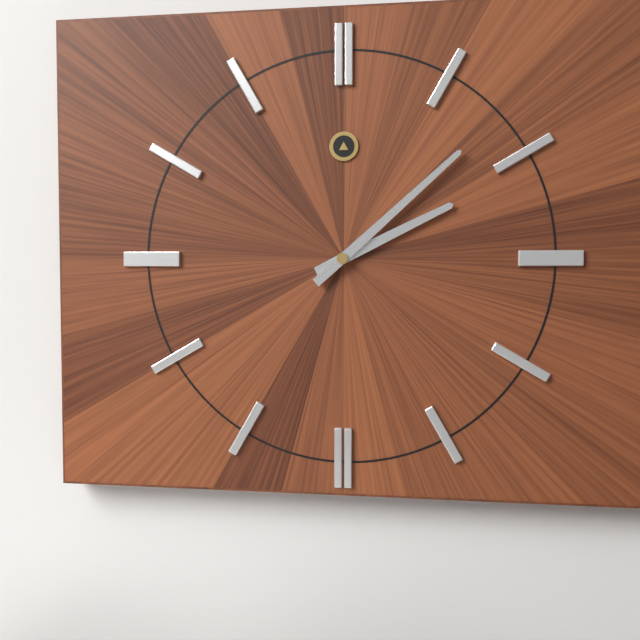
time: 2:08
